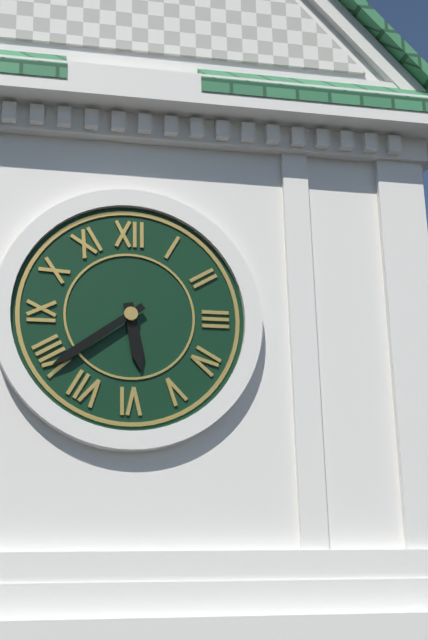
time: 5:39
